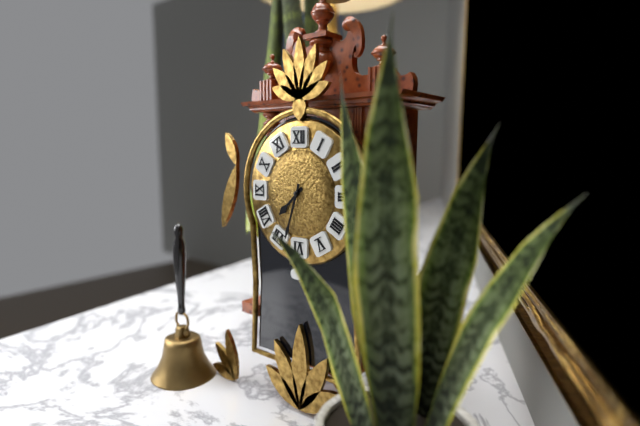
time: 7:33
